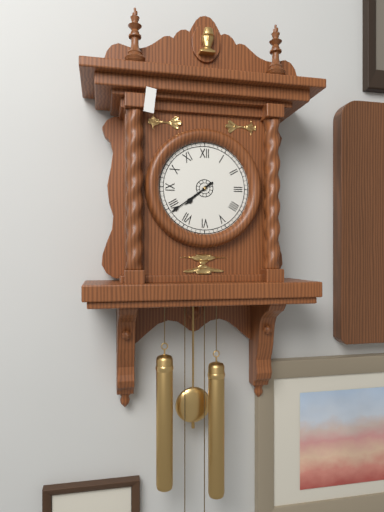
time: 7:39
